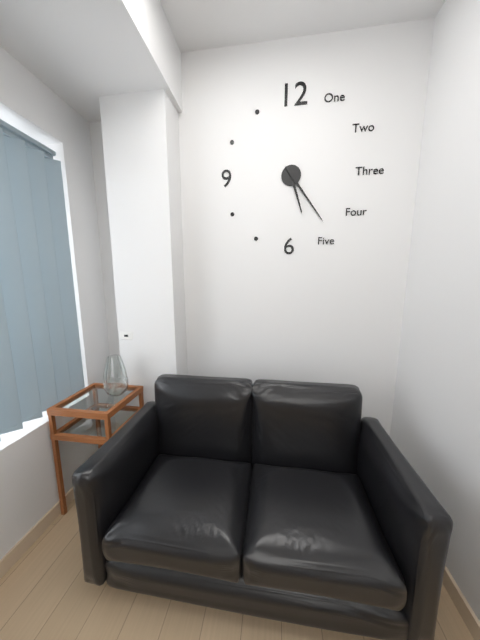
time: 5:24
